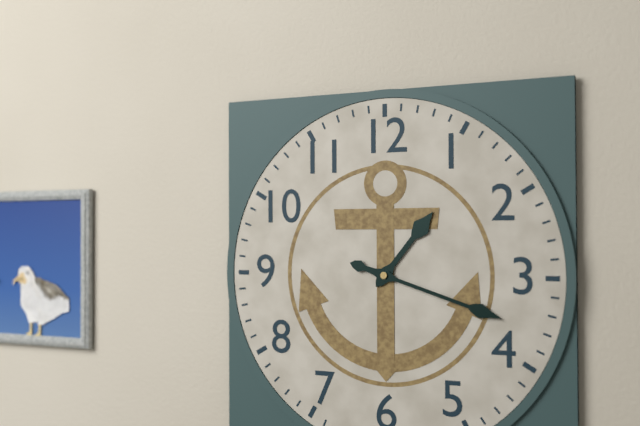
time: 1:18
